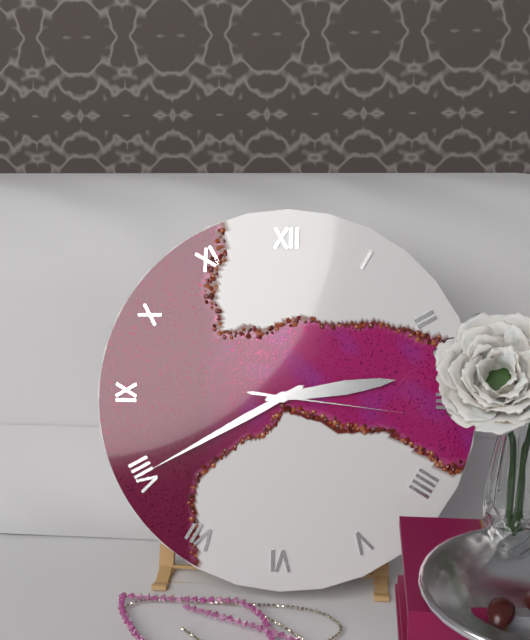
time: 2:40:16
